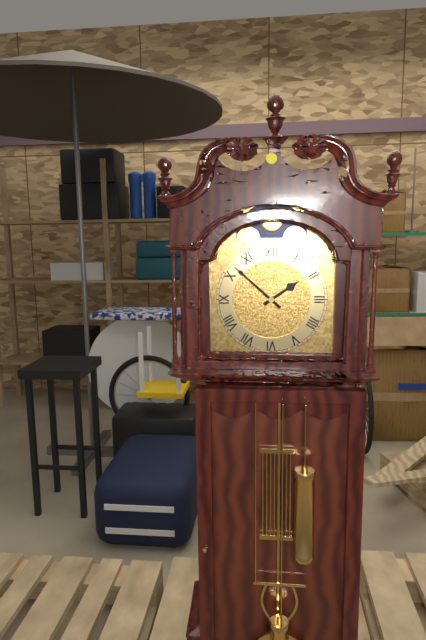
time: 1:52
